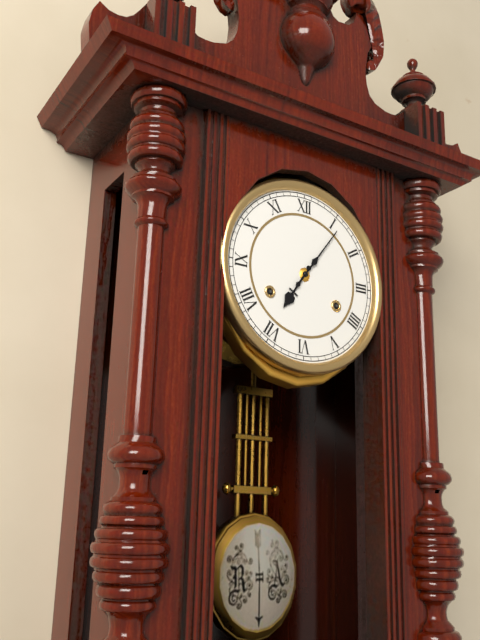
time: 7:06
